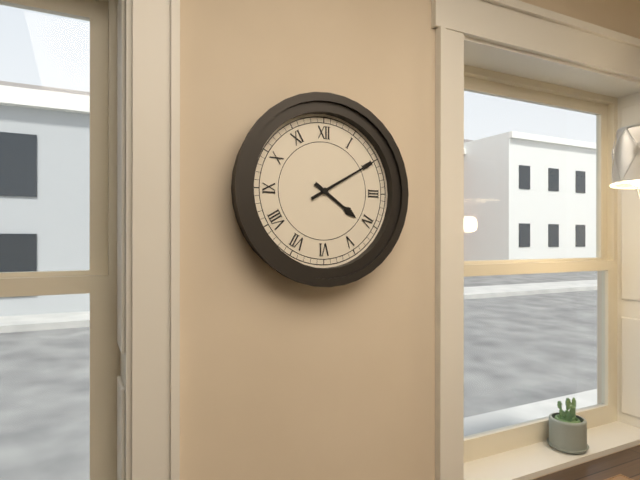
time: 4:10
